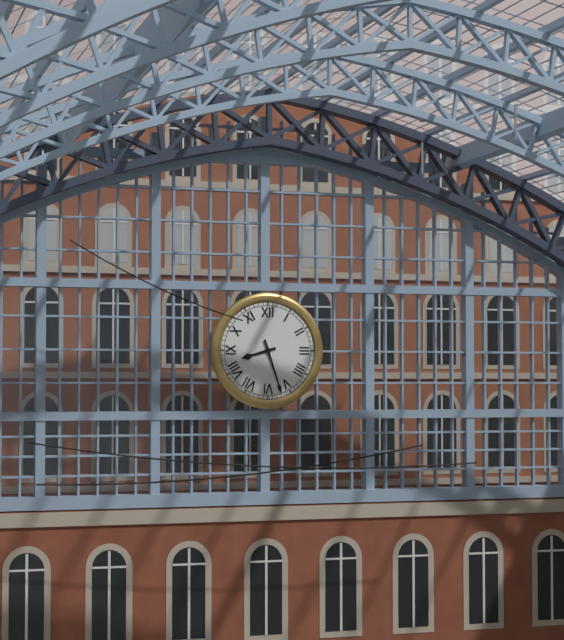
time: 8:27
